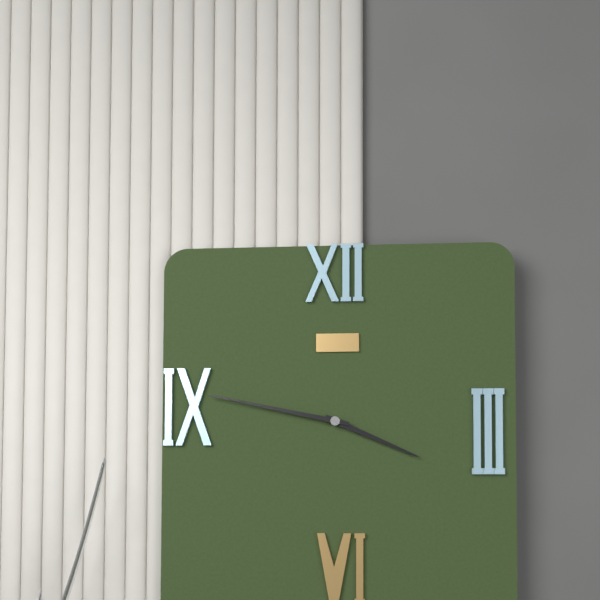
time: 3:47
